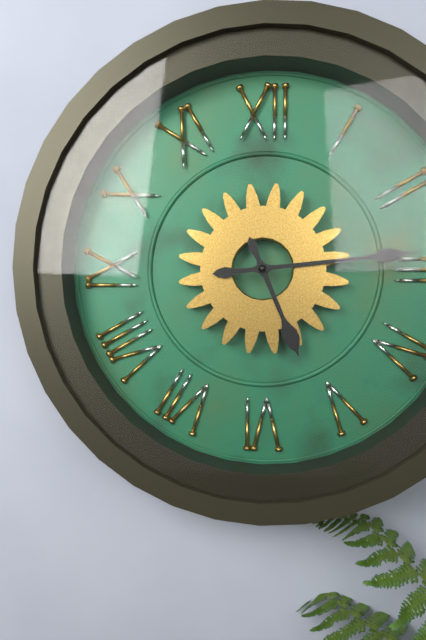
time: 5:14
